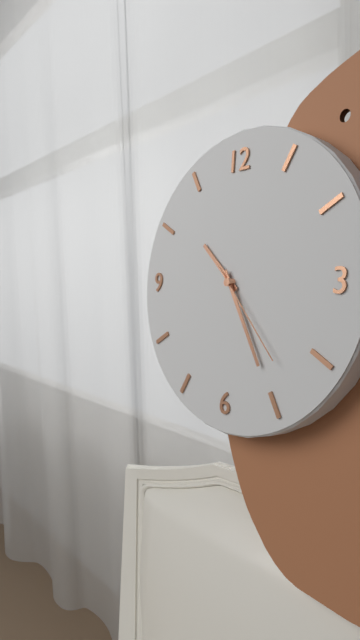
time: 10:25:23
